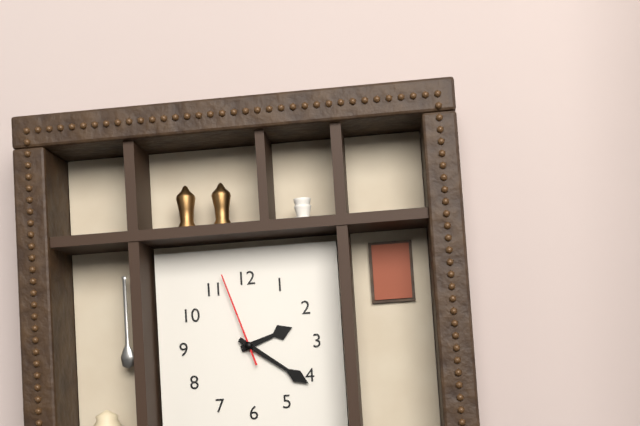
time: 2:21:57
